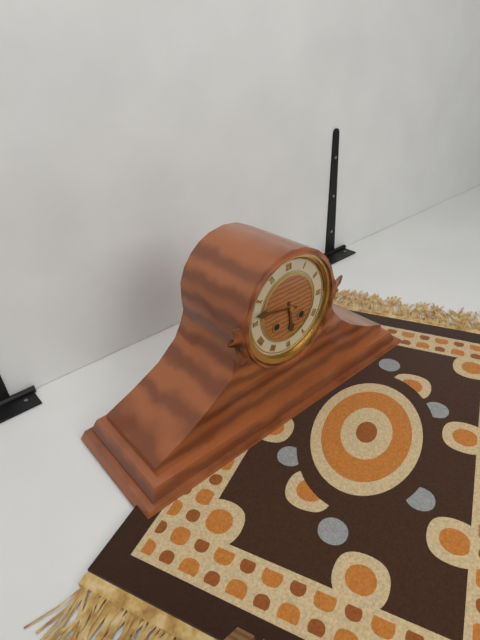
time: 5:47
